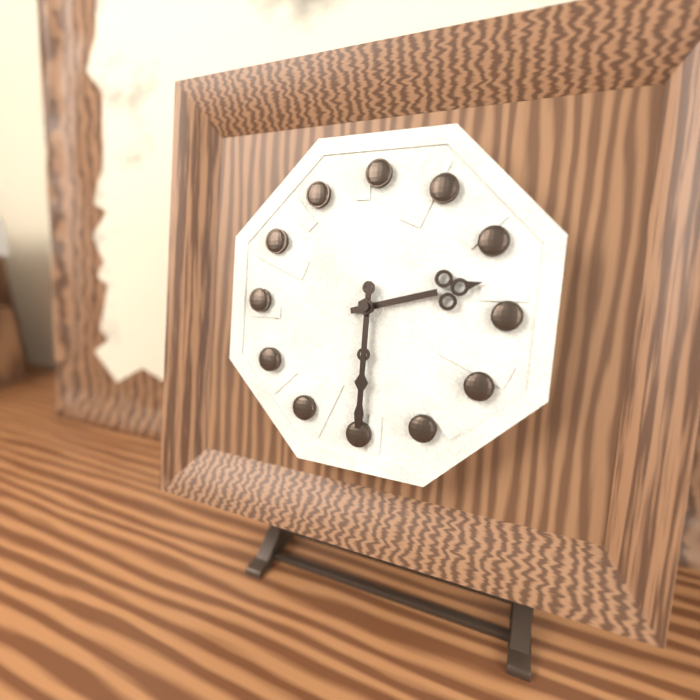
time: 2:30
